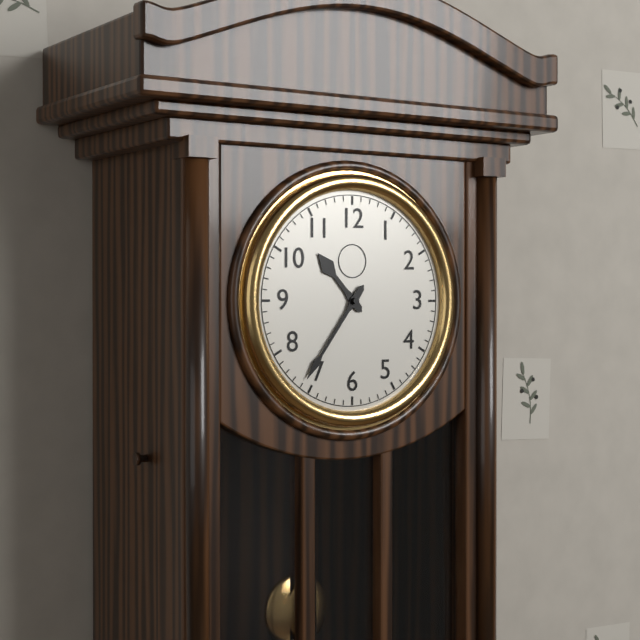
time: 10:36
